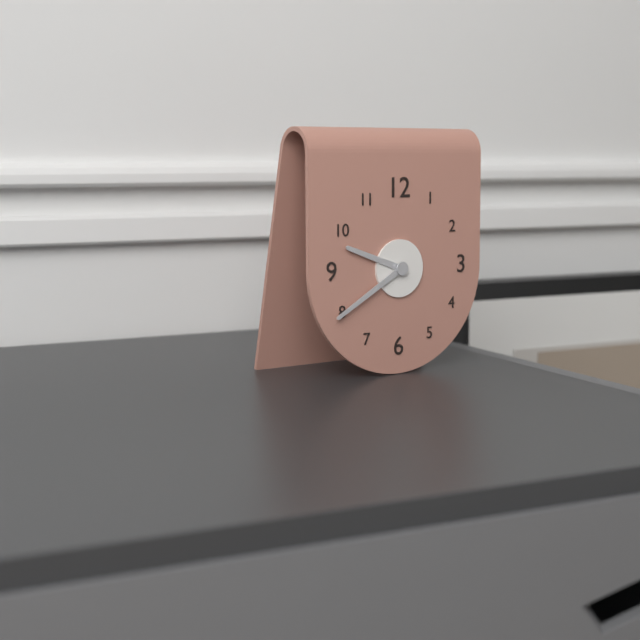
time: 9:40
